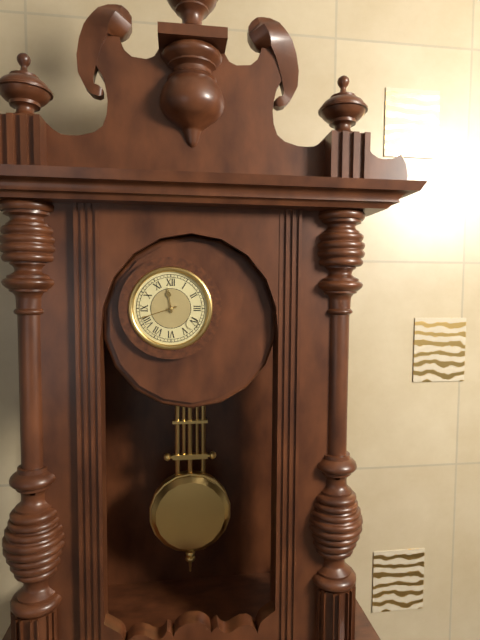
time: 11:42
